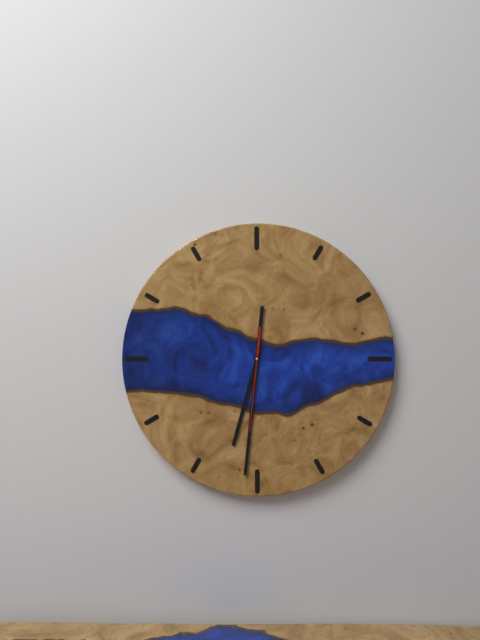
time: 6:31:31
